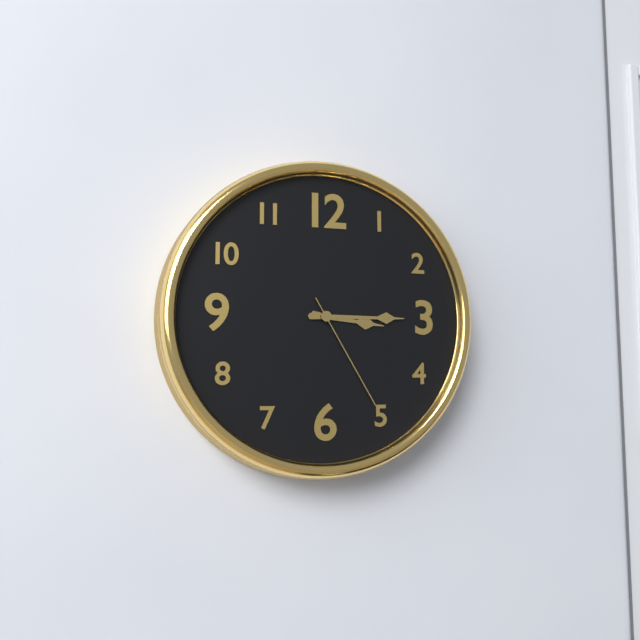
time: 3:15:25
